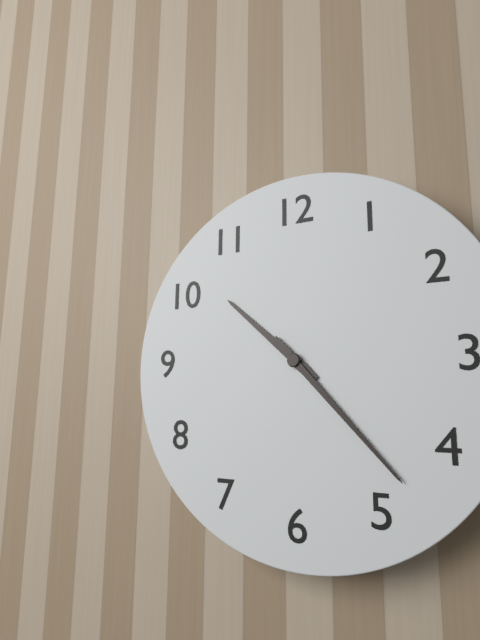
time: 10:23
